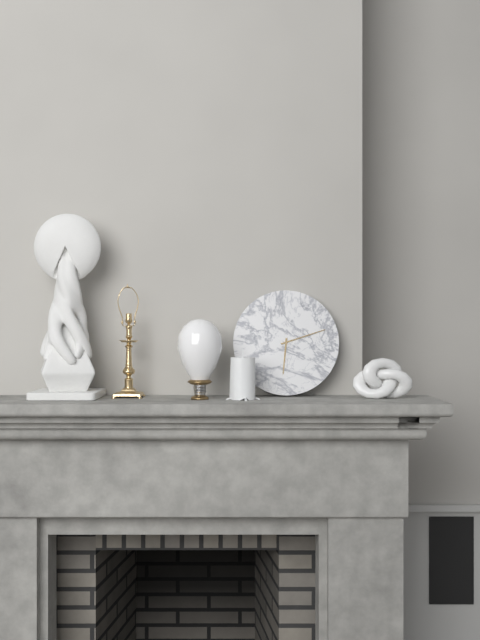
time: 6:12
